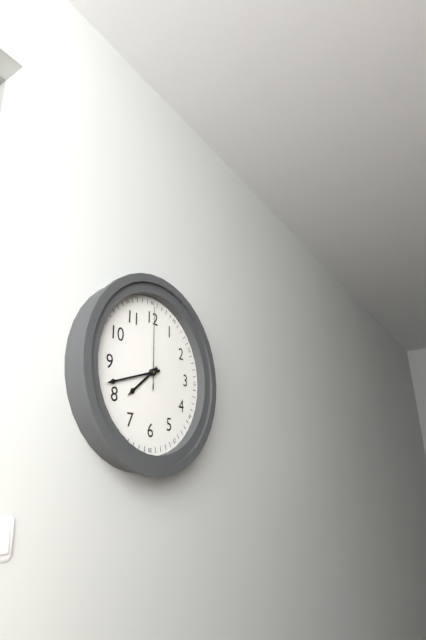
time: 7:42:00
